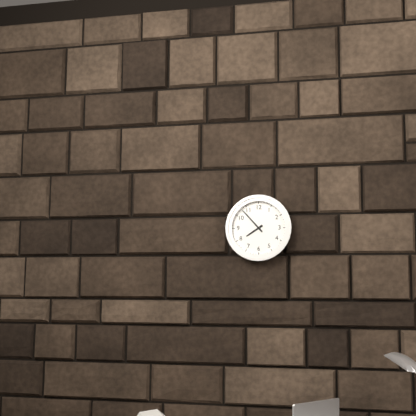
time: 7:53
